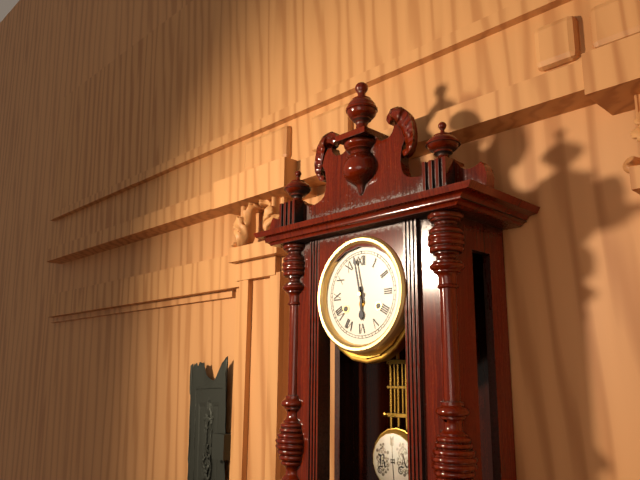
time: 5:58
